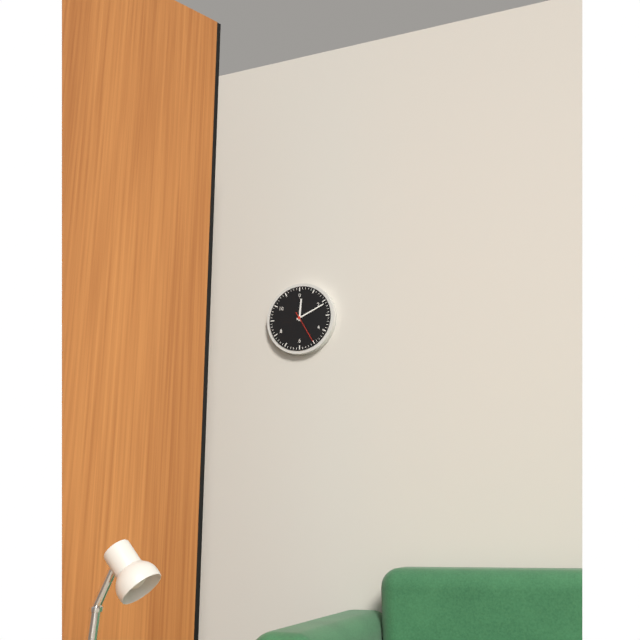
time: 12:11
